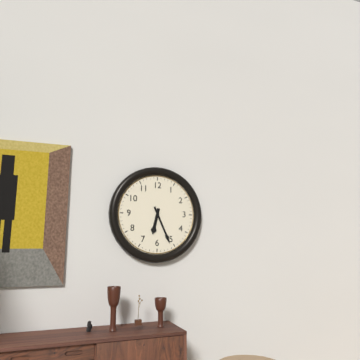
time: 6:26
